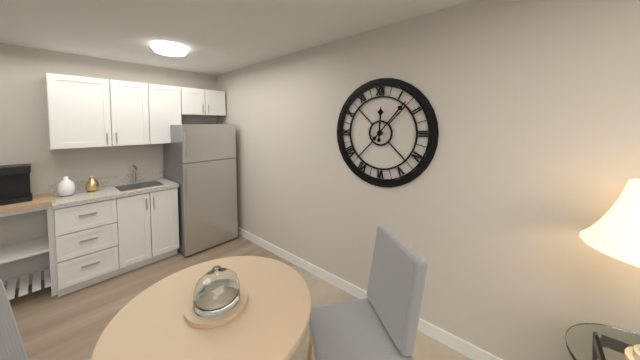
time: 12:07
